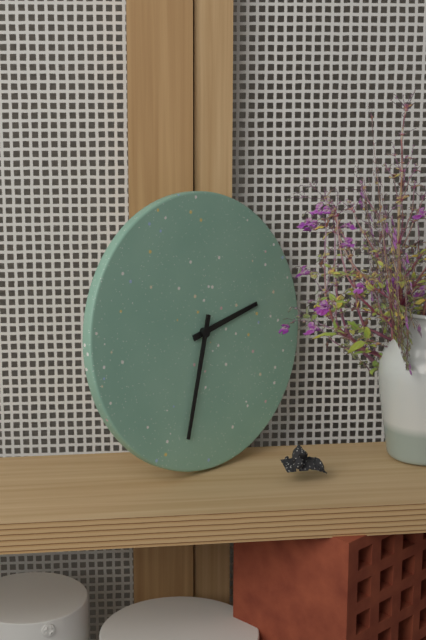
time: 2:33
